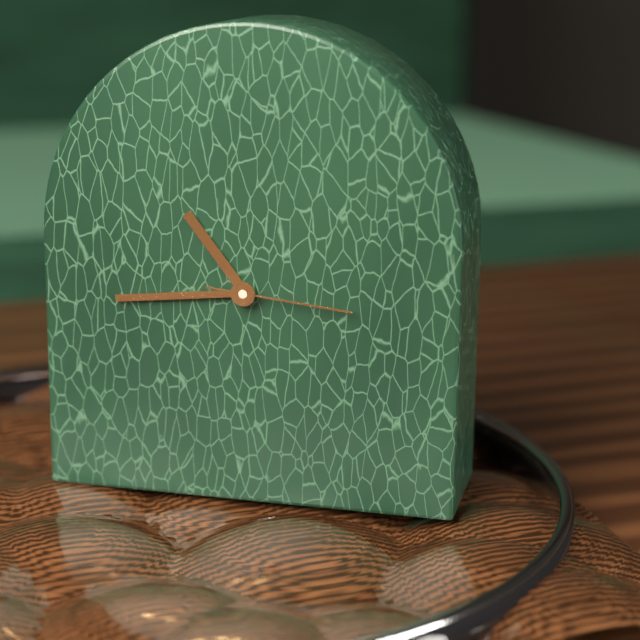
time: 10:44:16
